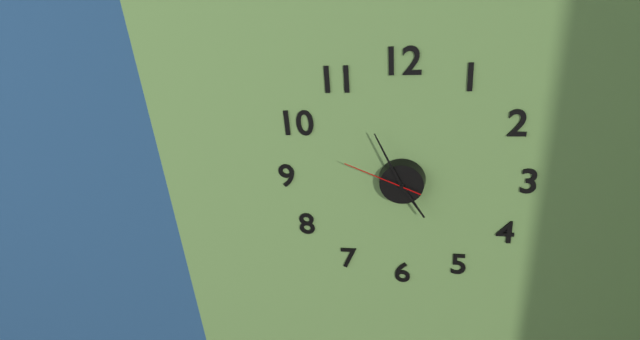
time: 4:56:49
